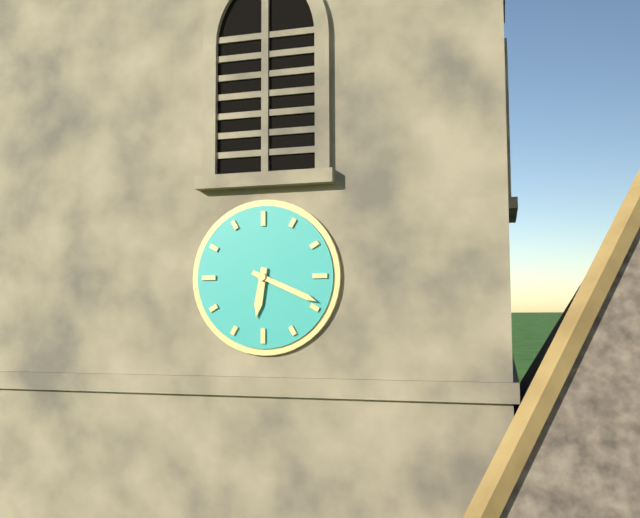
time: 6:19
